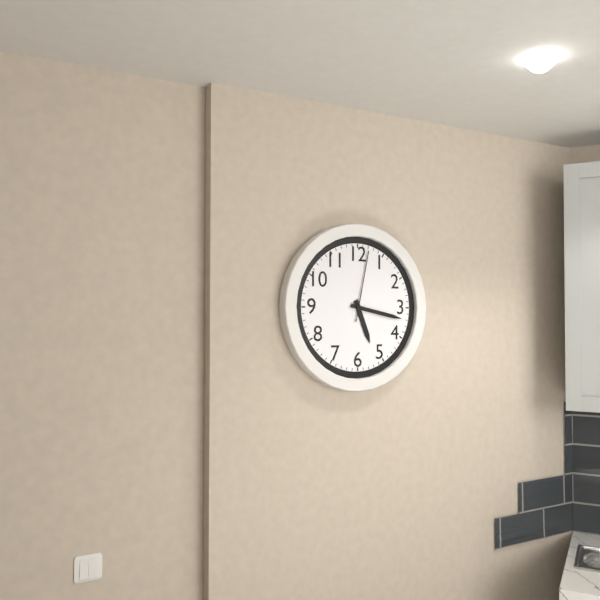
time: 5:17:02
